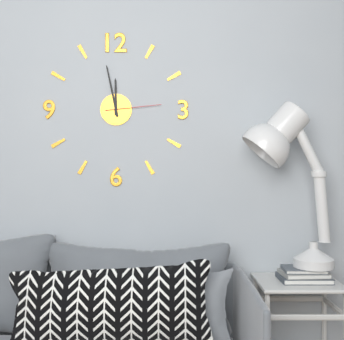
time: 11:58:14
